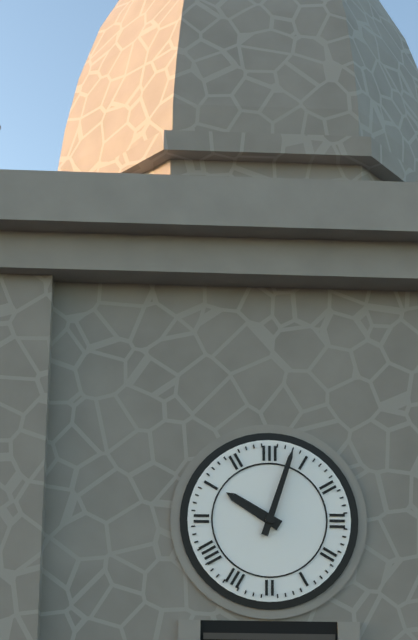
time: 10:03
